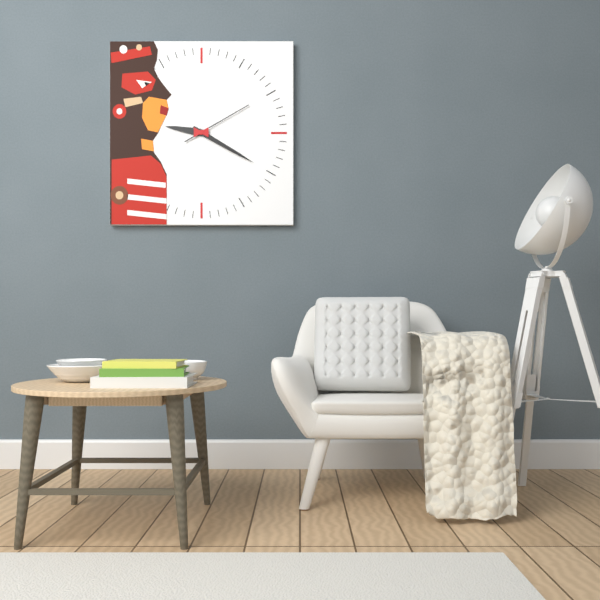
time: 9:20:10
